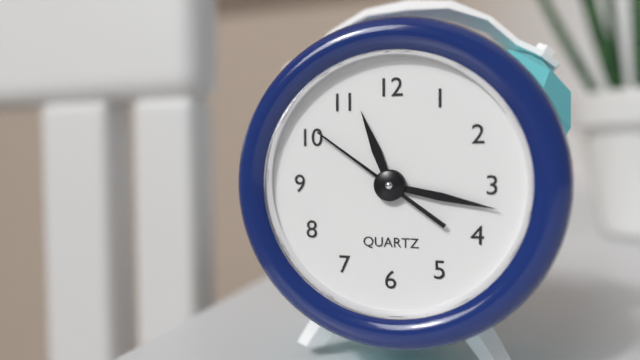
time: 11:17:51
